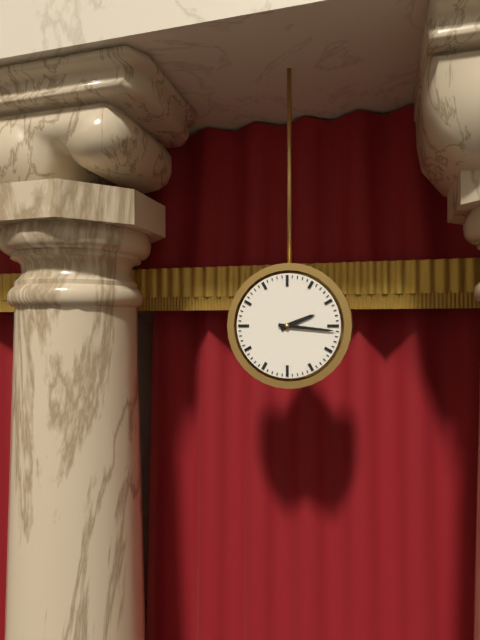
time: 2:16
